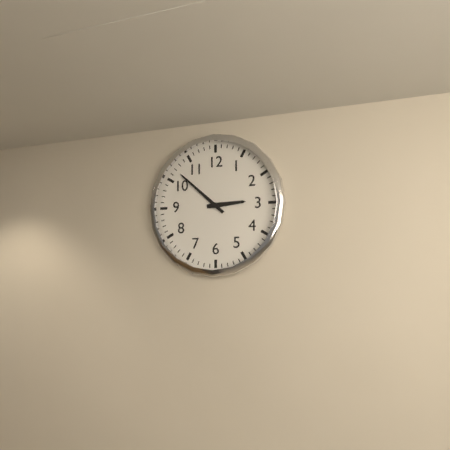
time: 2:52
